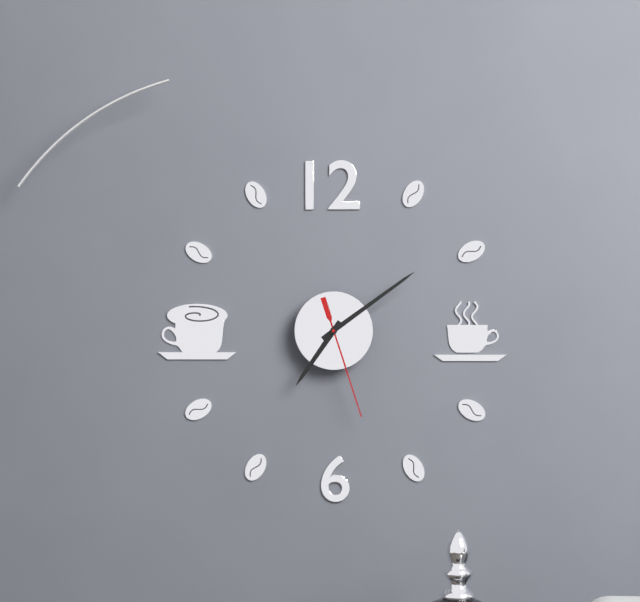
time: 7:09:27
